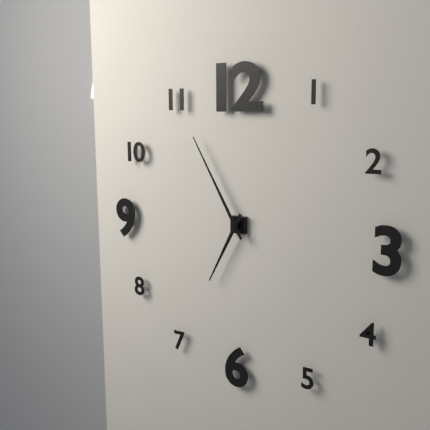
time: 6:55
